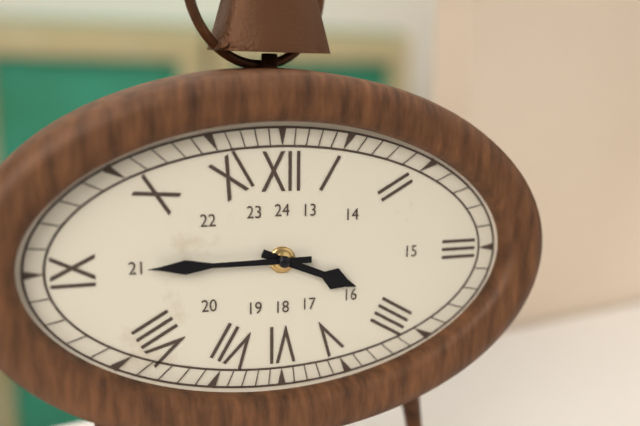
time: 3:45
